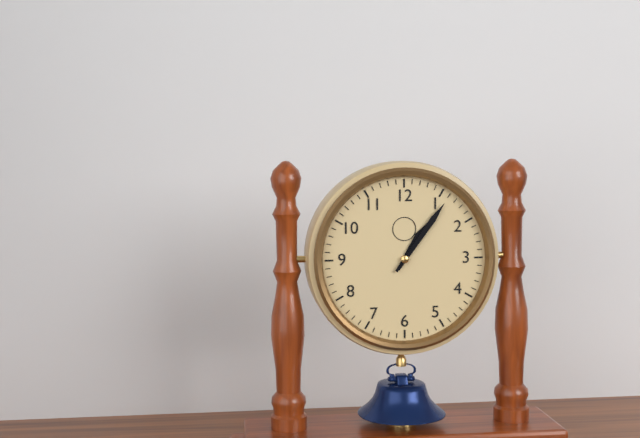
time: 1:06
